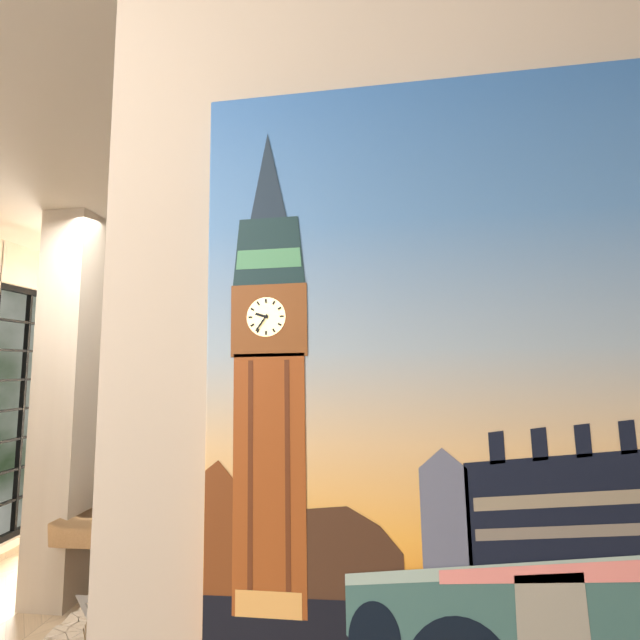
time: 9:36
